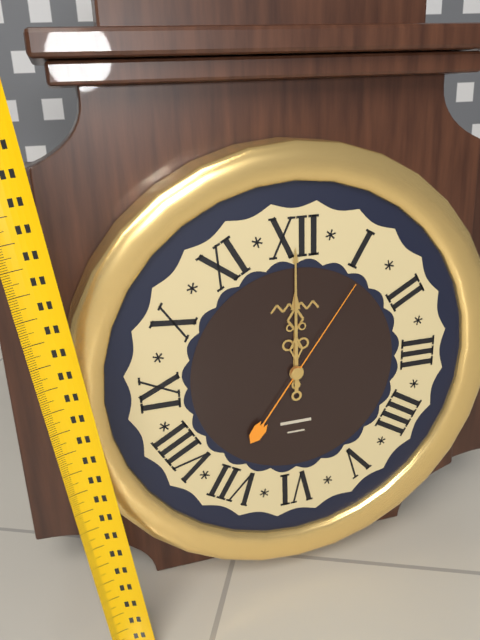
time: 12:00:06
